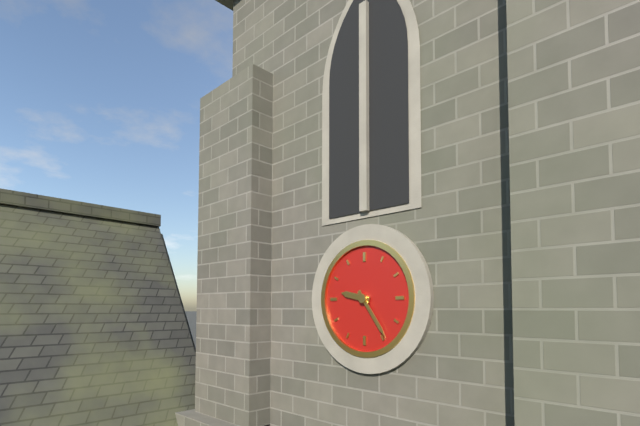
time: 9:24
